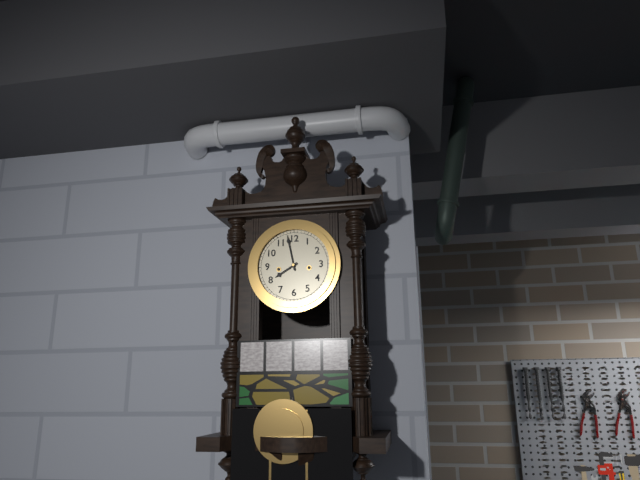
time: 7:58
